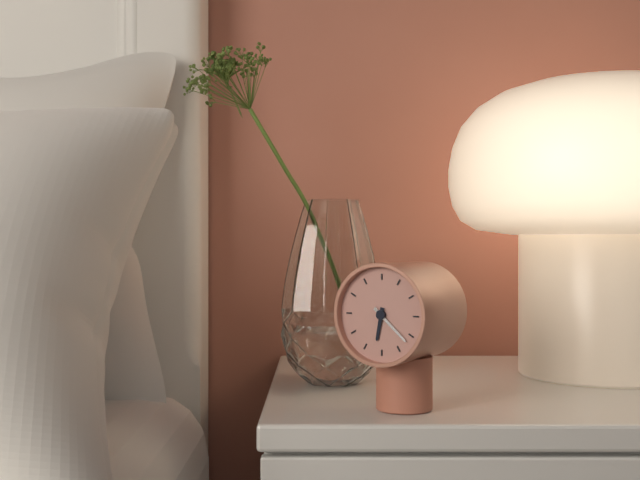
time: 6:22
